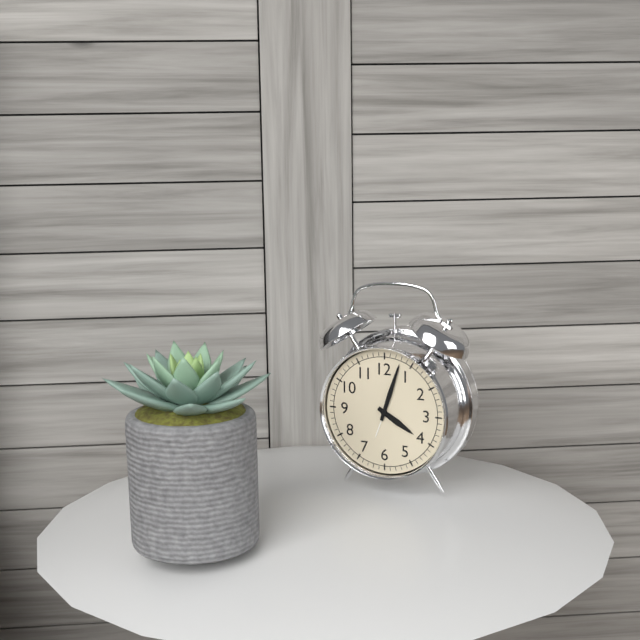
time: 4:03
